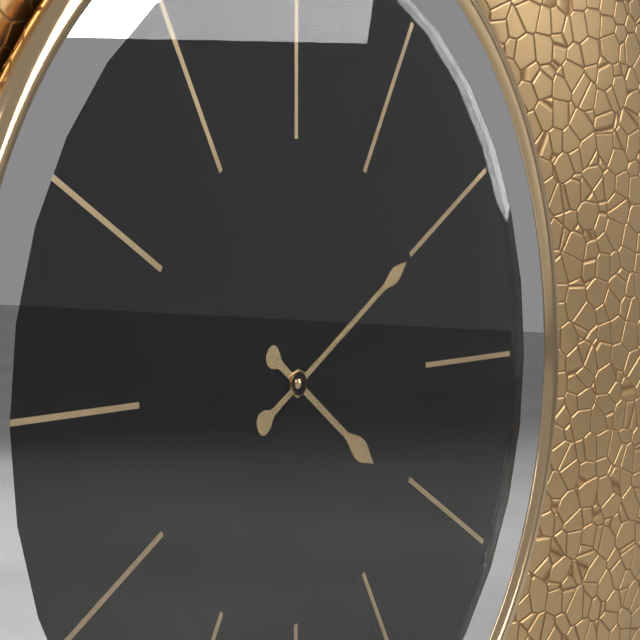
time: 4:10
